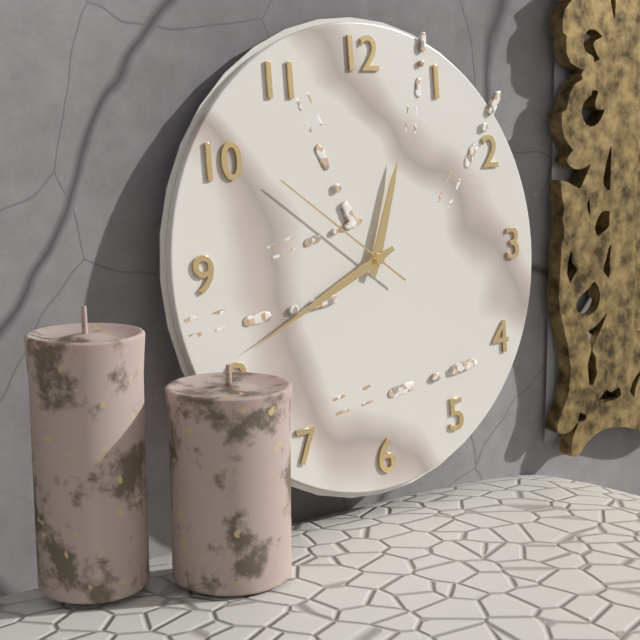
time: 12:41:51
